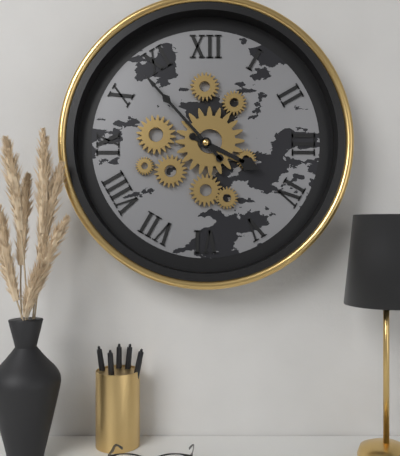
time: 3:53
